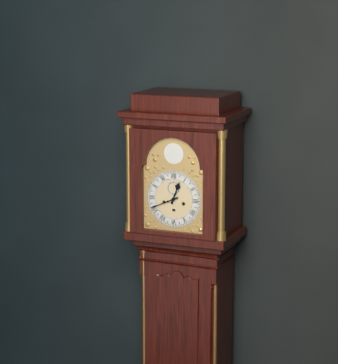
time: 12:41
